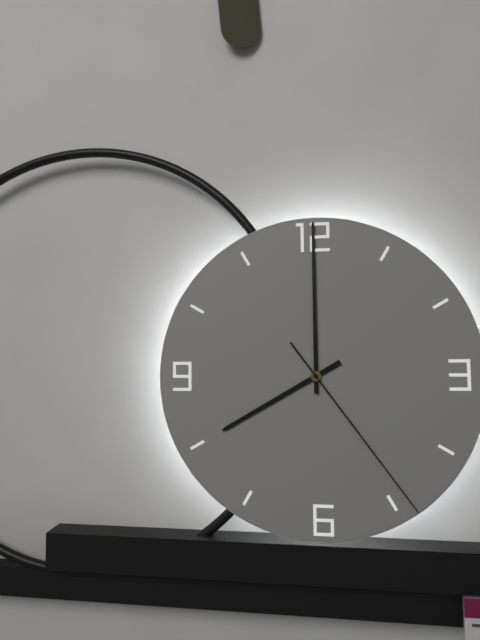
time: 8:00:24
